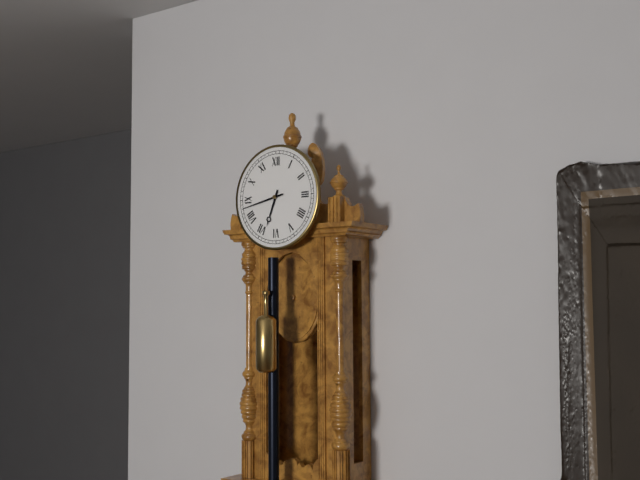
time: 6:43
